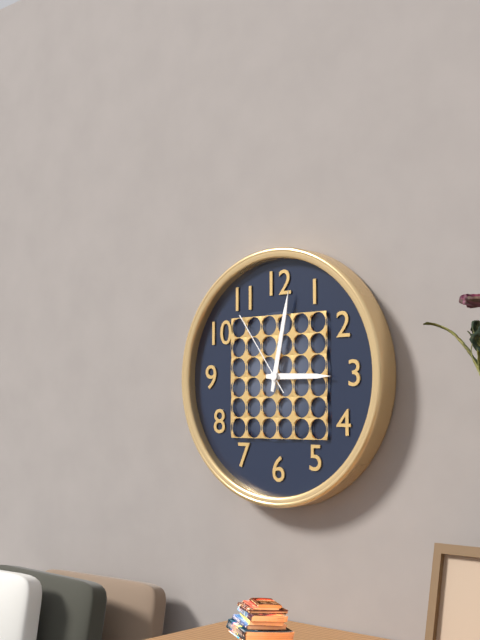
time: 3:02:54
